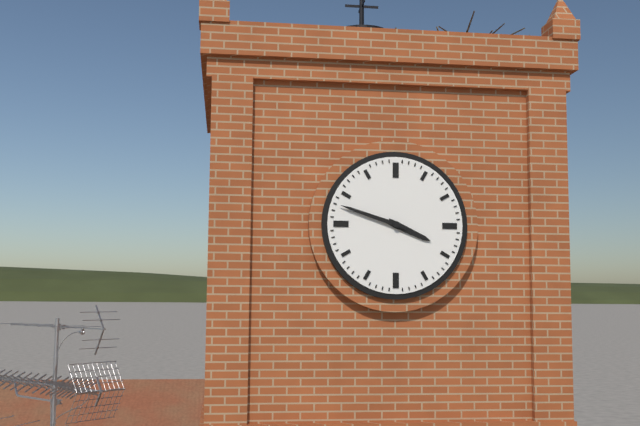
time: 3:48
